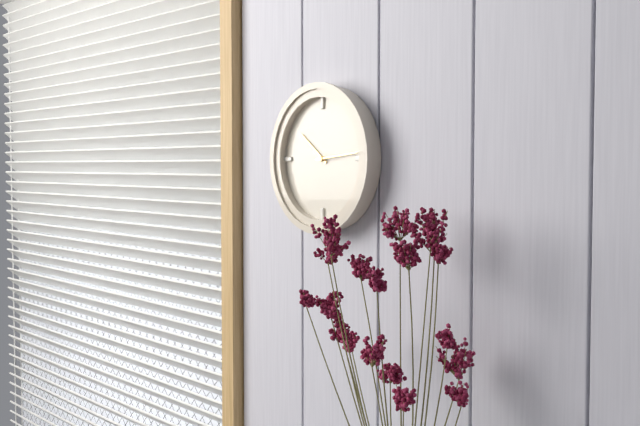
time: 10:14
